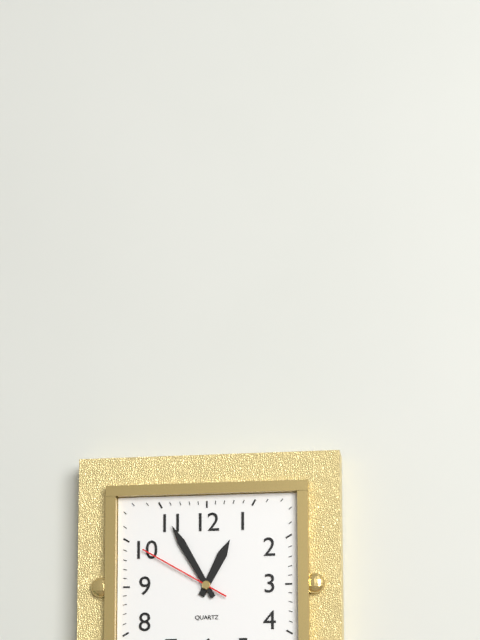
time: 12:55:50
